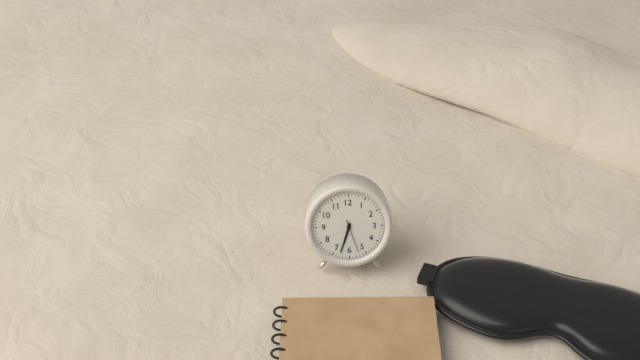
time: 6:33
